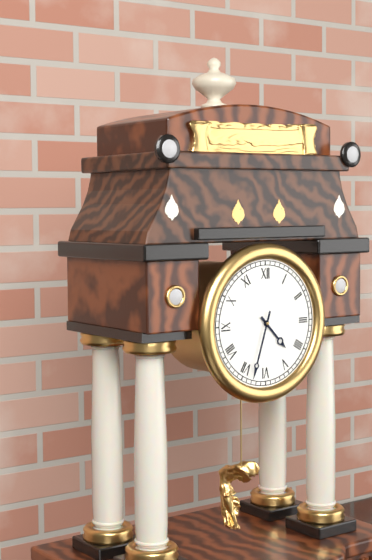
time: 4:33
